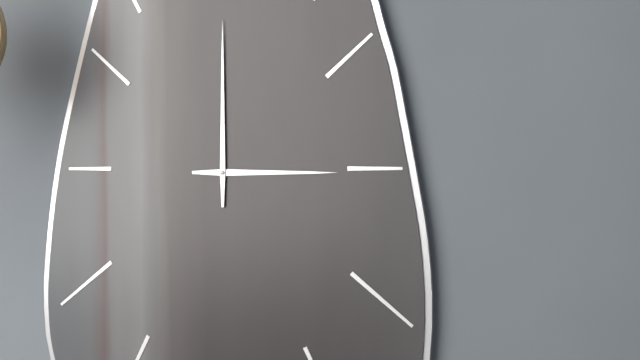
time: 3:00
